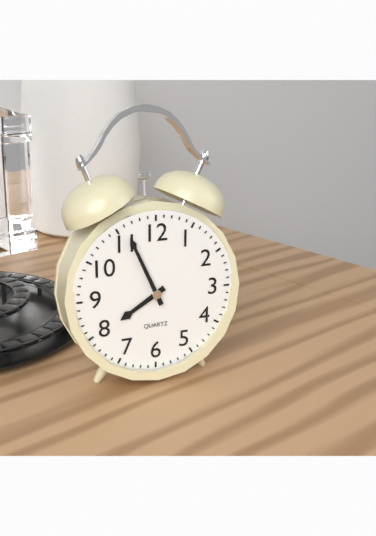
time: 7:56
